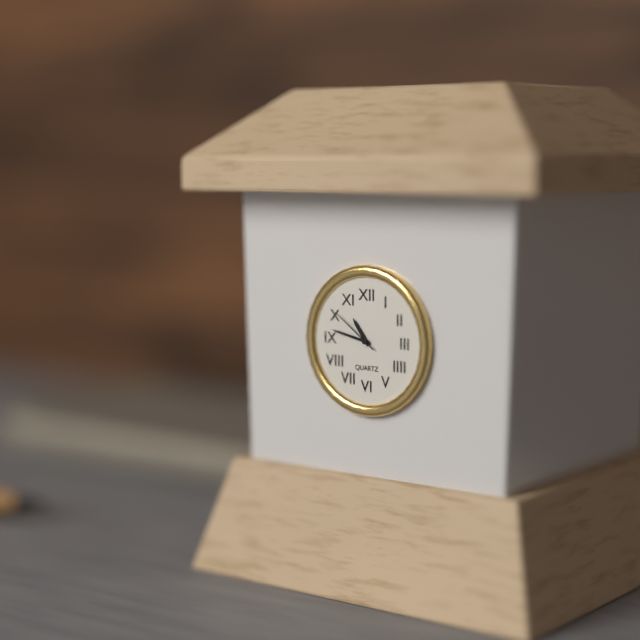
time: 10:47:51
